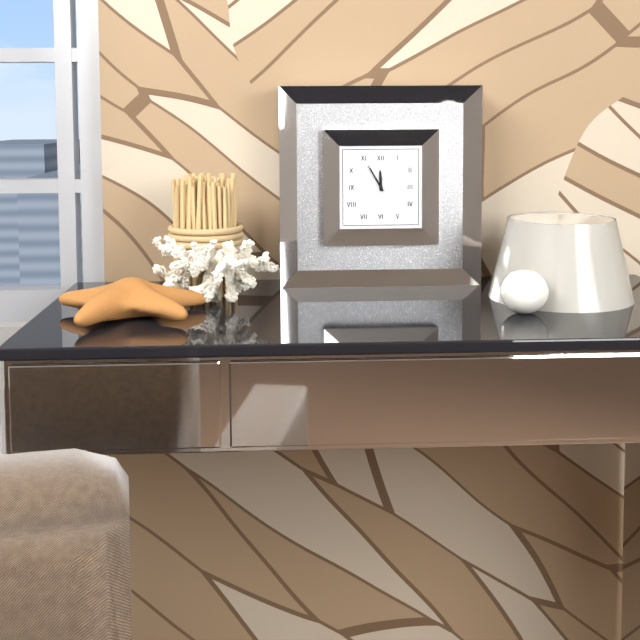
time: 11:55
